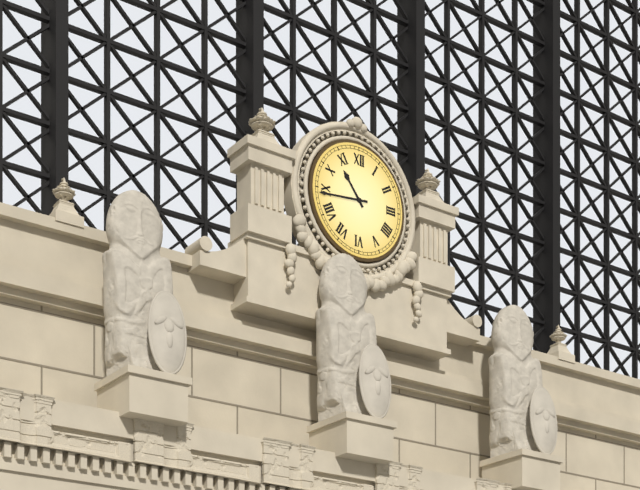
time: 10:44
